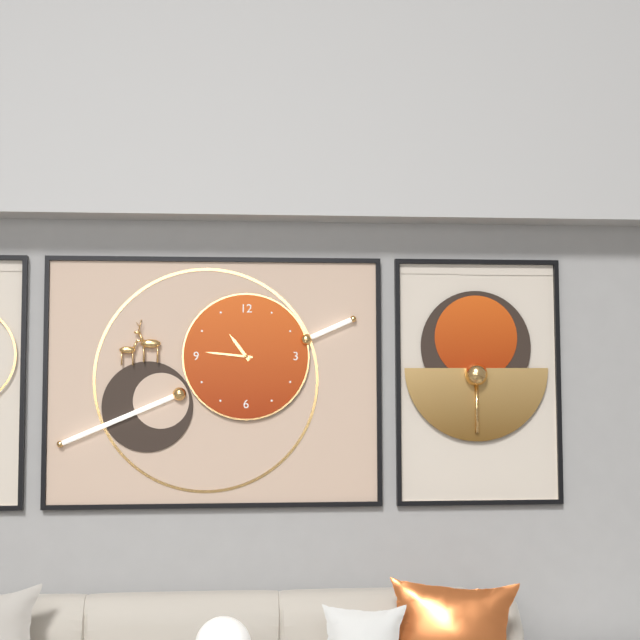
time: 10:46
